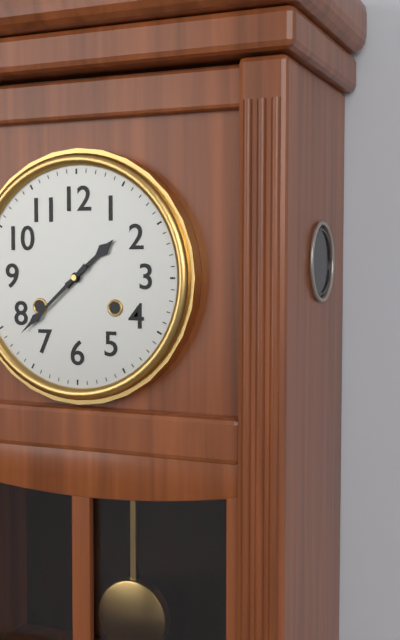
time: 1:38
